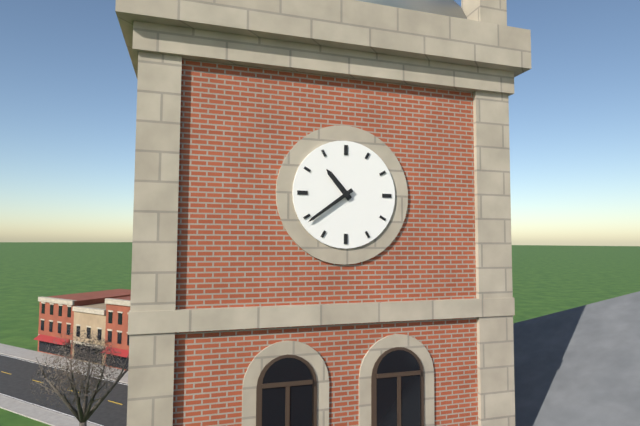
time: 10:39
